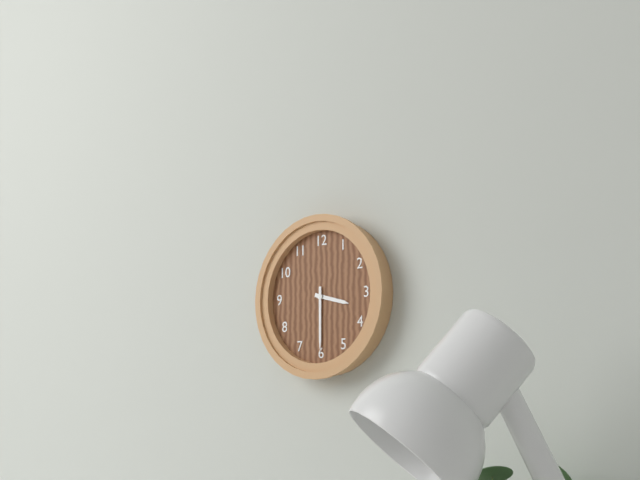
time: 3:30
